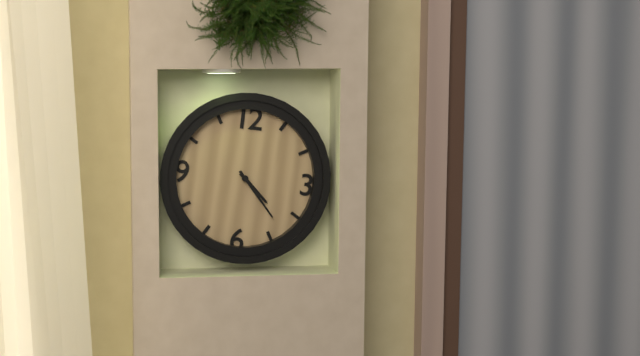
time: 4:23
